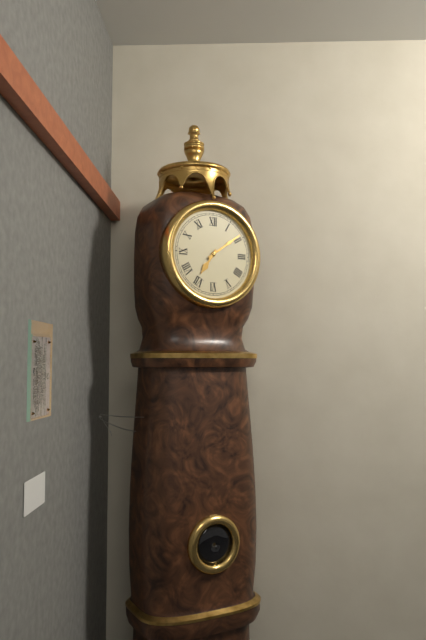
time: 7:09
